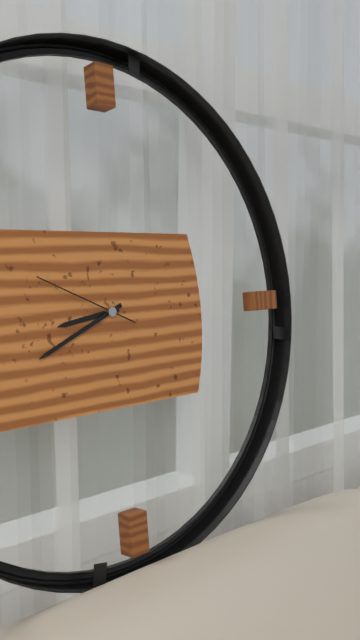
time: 8:41:49
